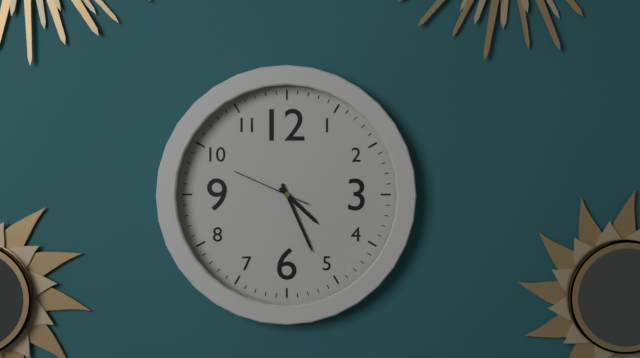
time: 4:26:49
